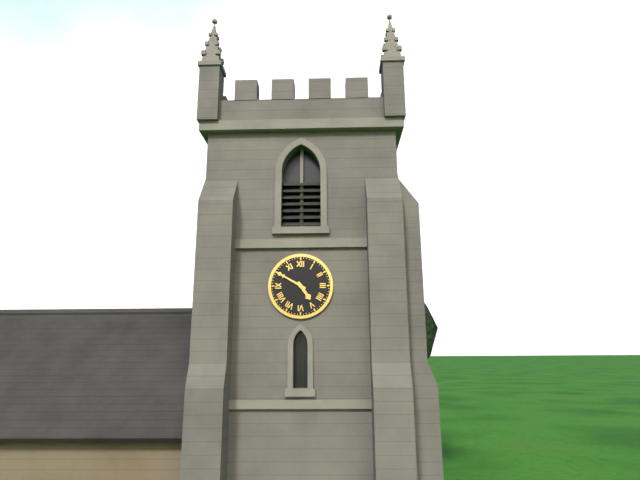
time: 4:50
